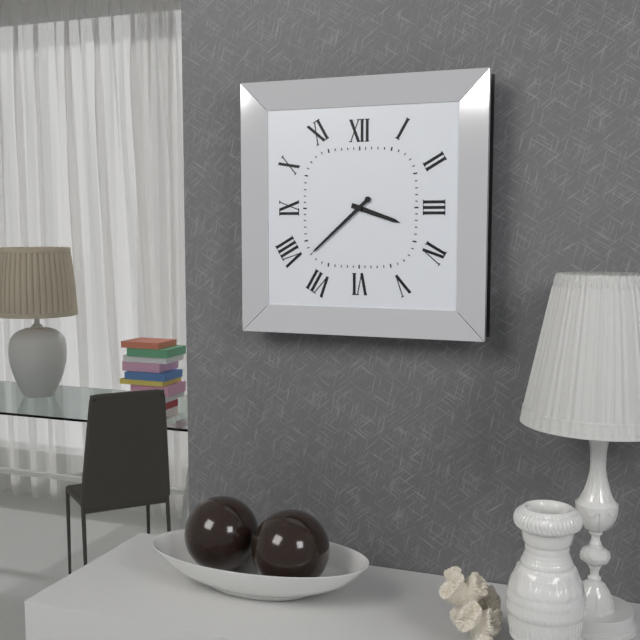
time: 3:38
